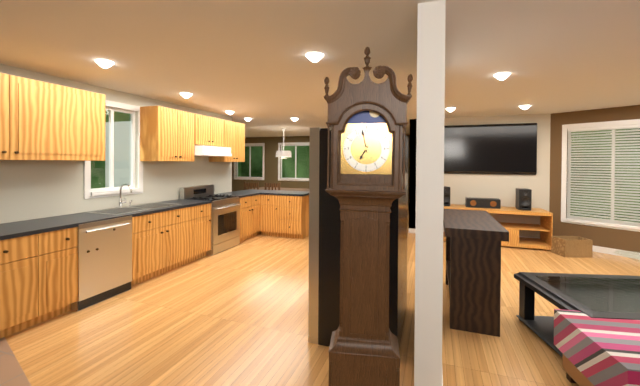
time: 6:58
